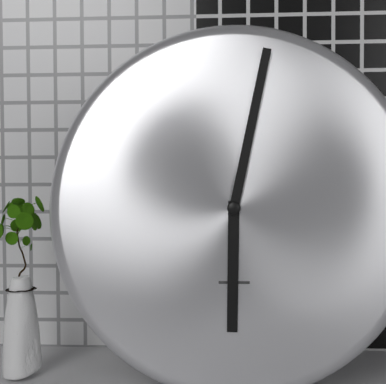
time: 6:02
